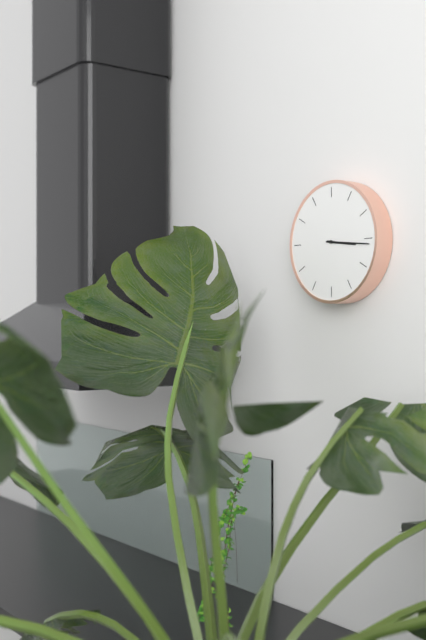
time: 3:16
